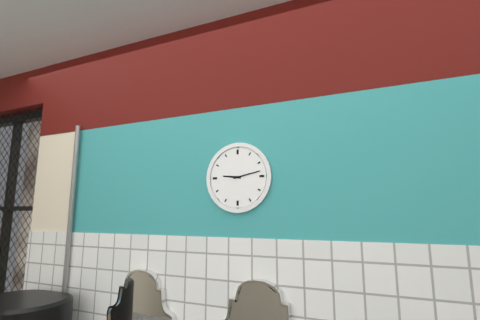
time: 9:13
